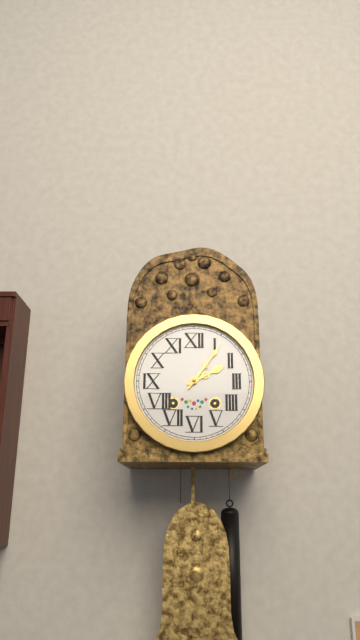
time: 2:06
